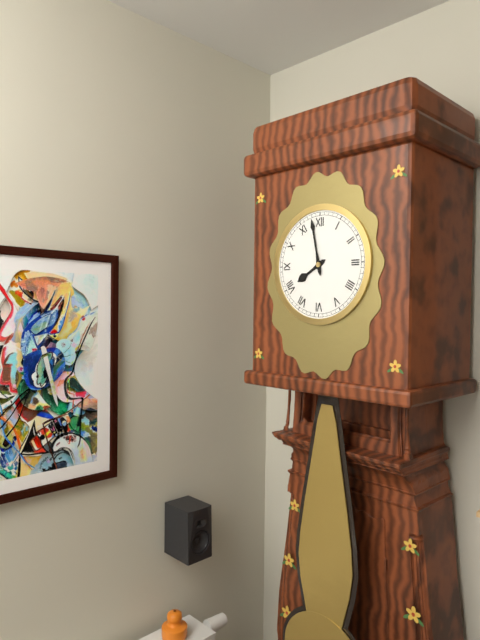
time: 7:58
